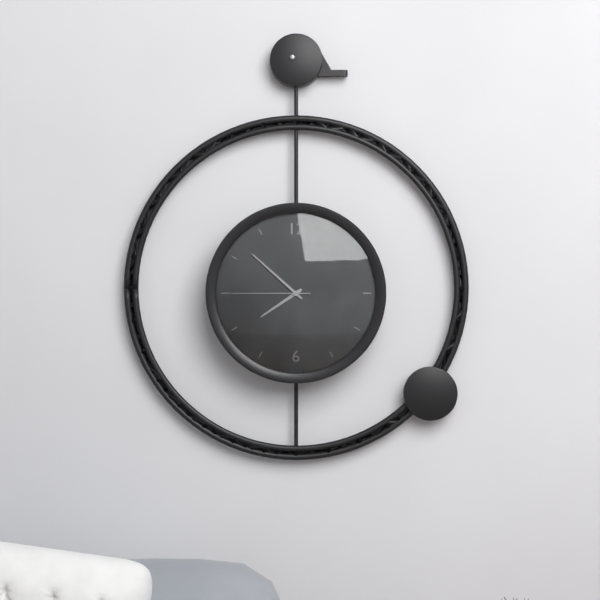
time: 7:52:45
